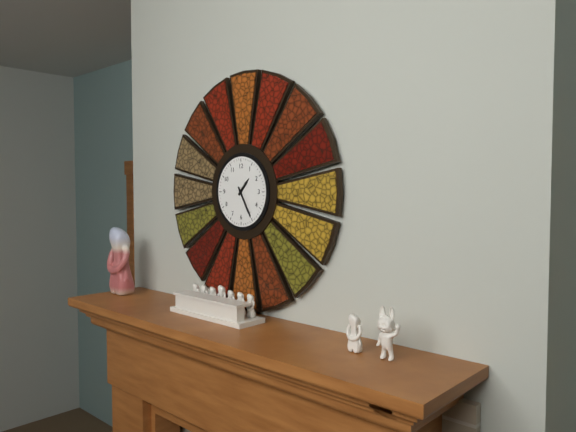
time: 1:25
